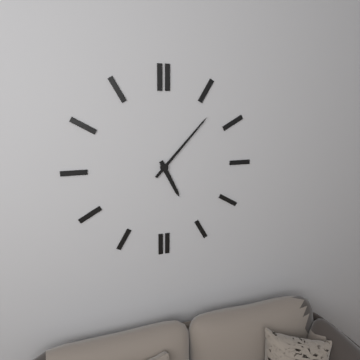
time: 5:07
